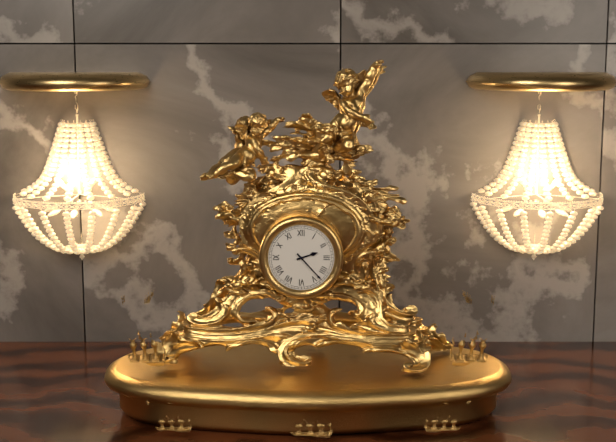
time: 2:23
